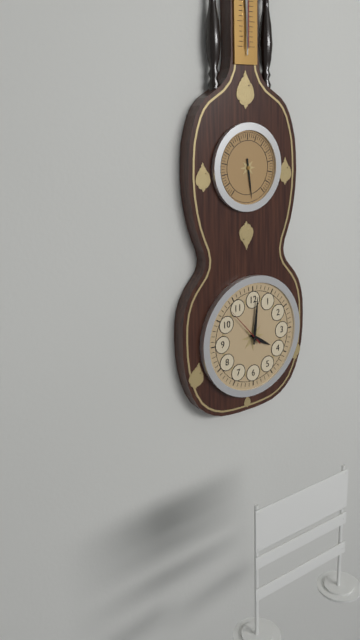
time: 4:01
